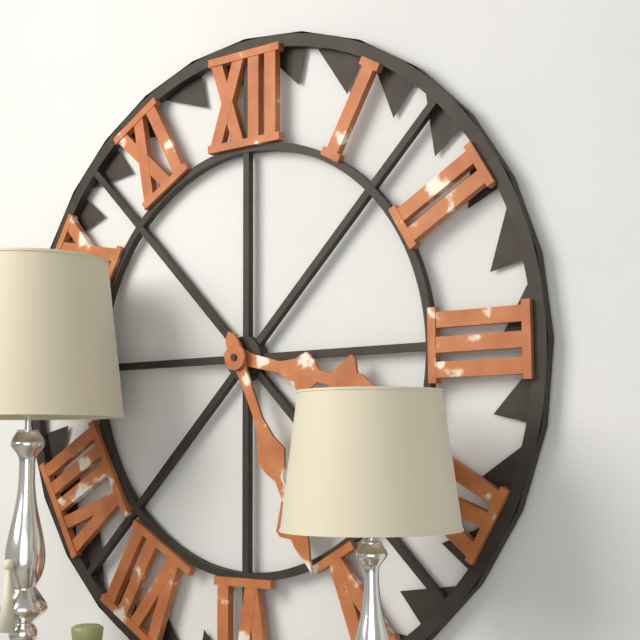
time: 3:26
